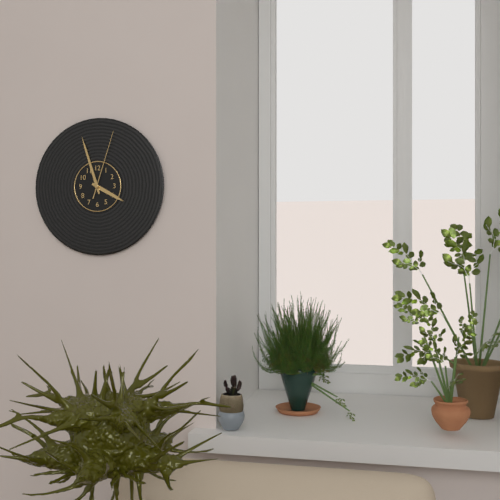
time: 3:57:03
